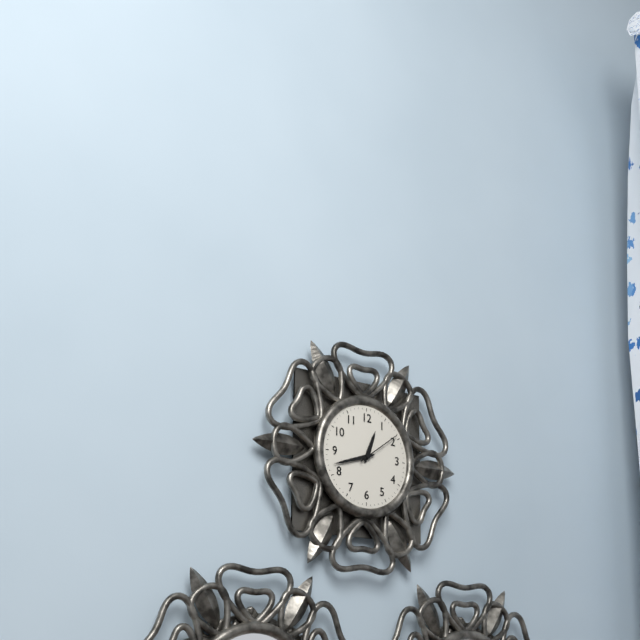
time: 12:42
